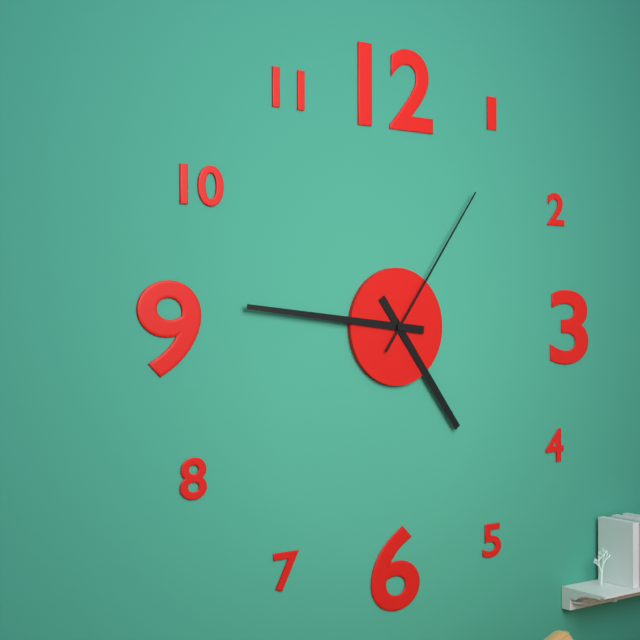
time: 4:46:06
